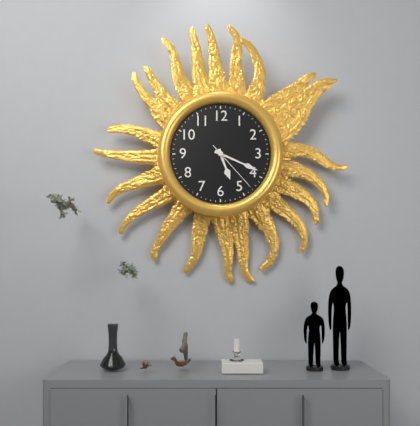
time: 5:19:23
